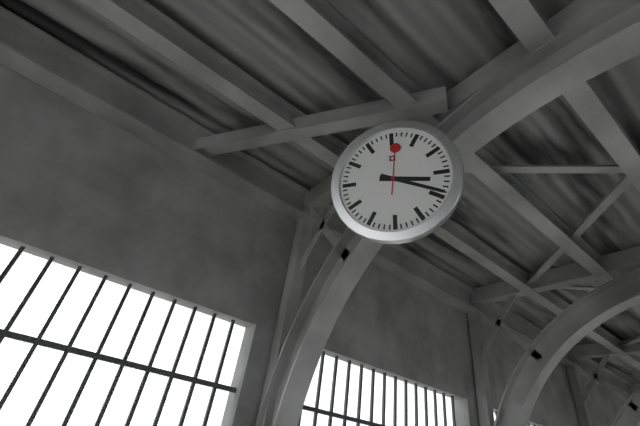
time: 3:19
